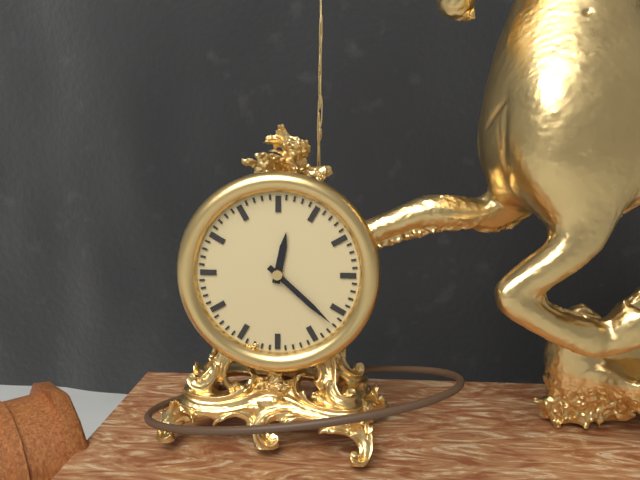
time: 12:22
